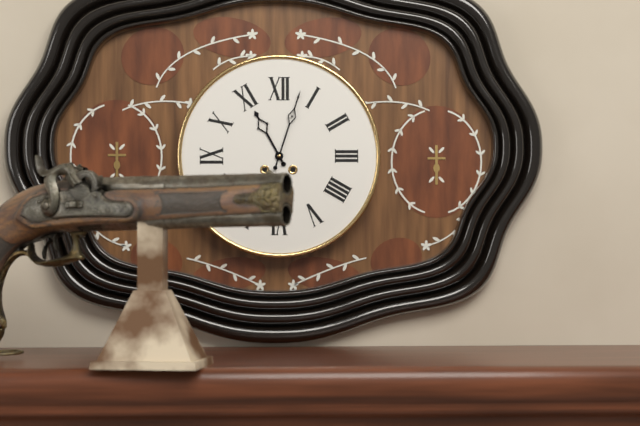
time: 11:03
